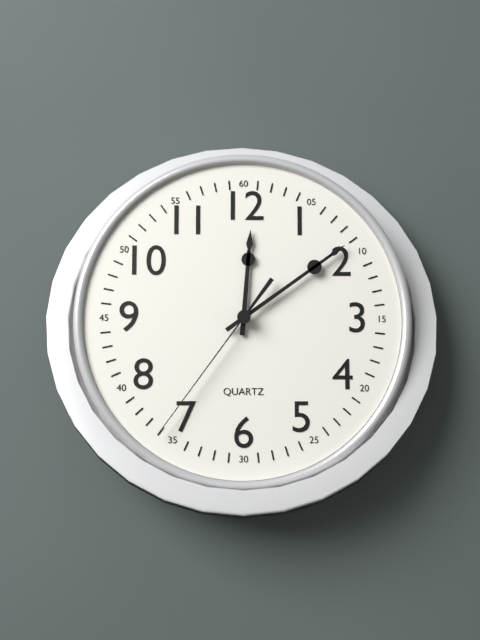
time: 12:09:36
